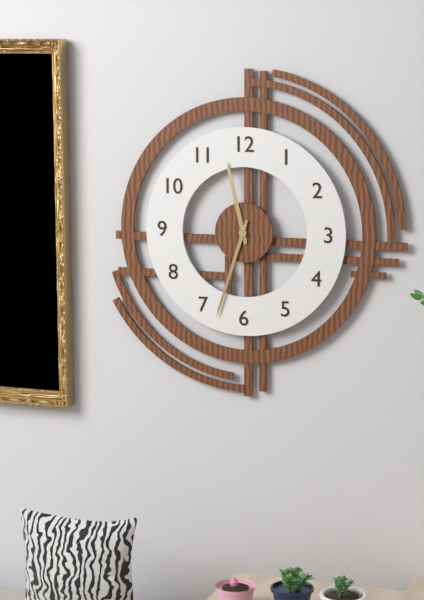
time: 11:33
